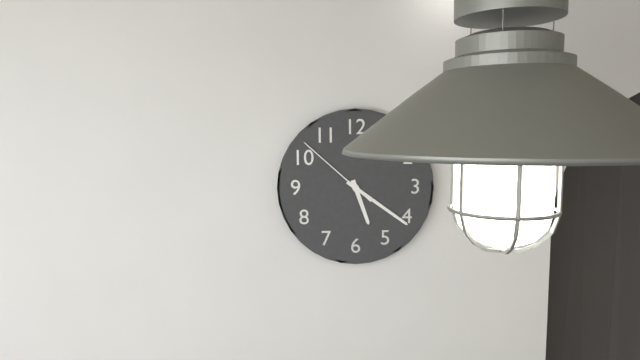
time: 5:21:52
